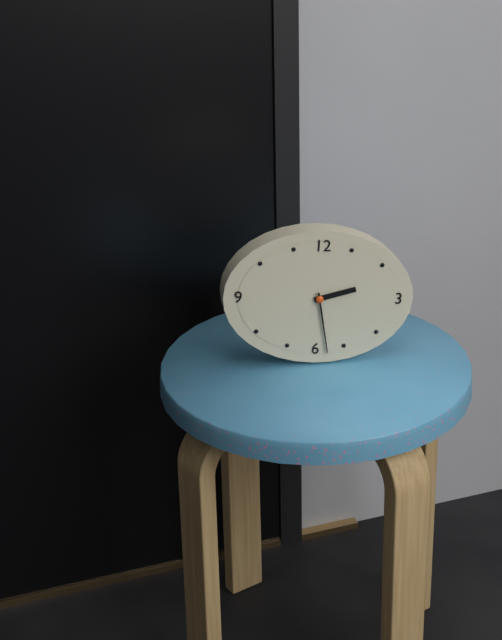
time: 2:28
